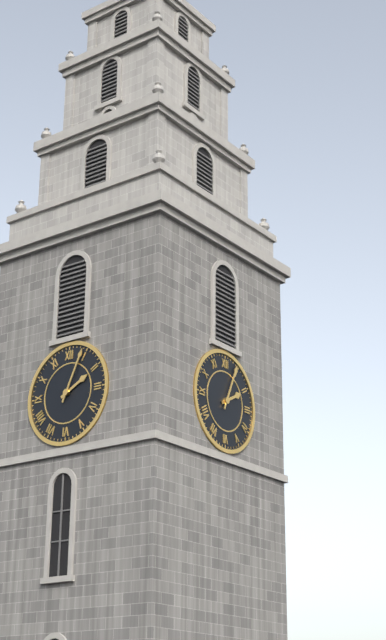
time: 2:04
